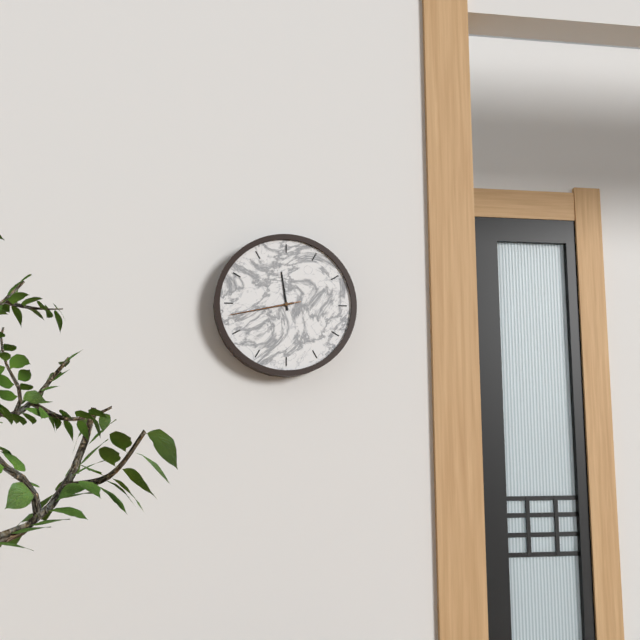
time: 11:43:43
